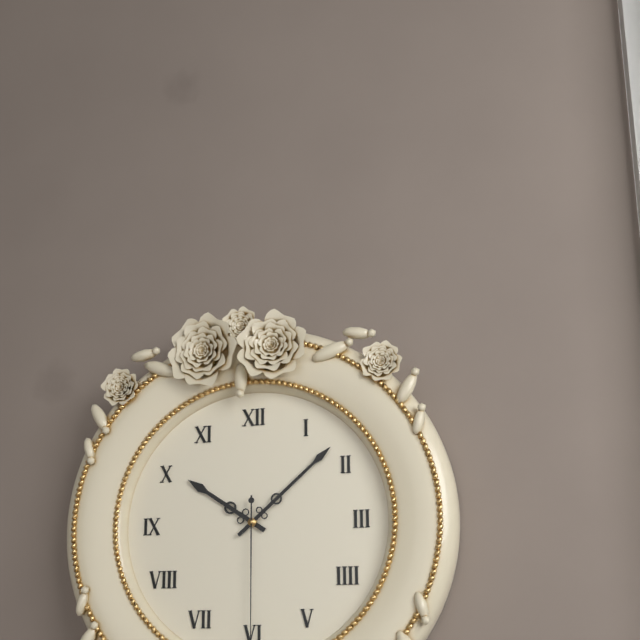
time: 10:08
